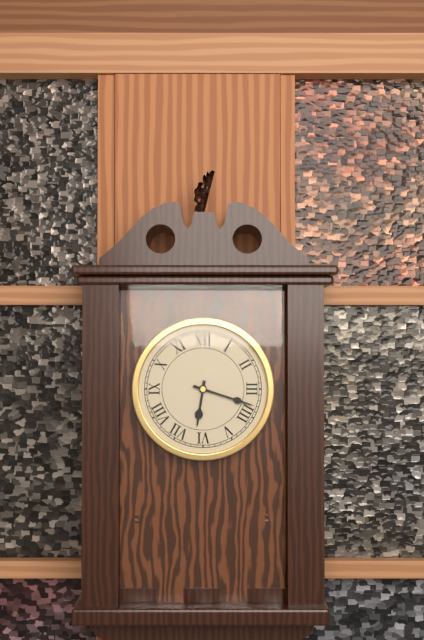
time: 6:18
